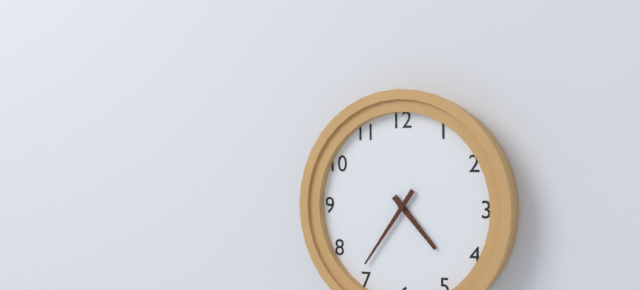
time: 4:36
